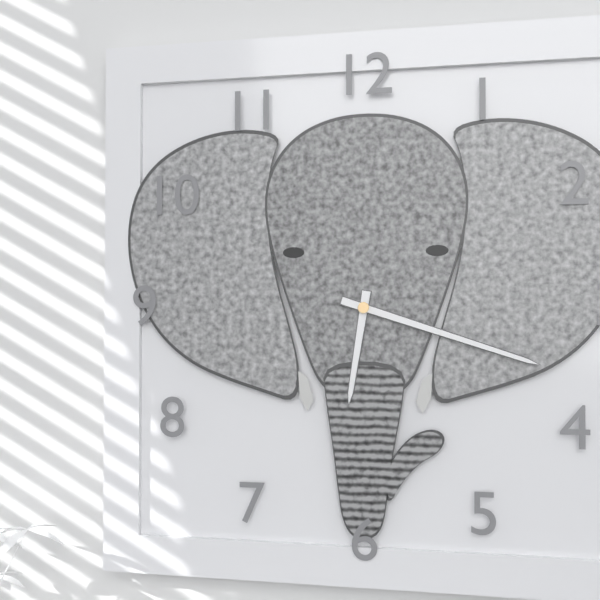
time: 6:18
